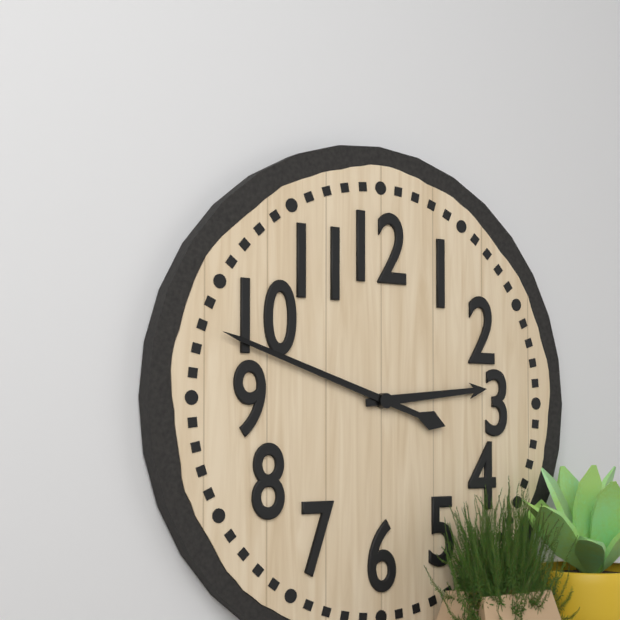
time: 2:48
